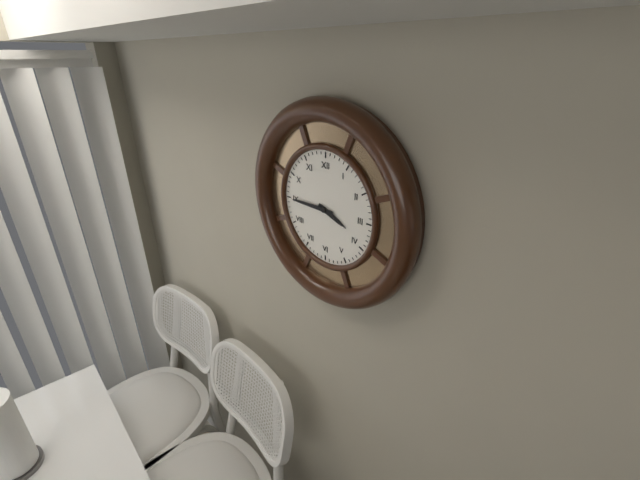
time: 3:45
